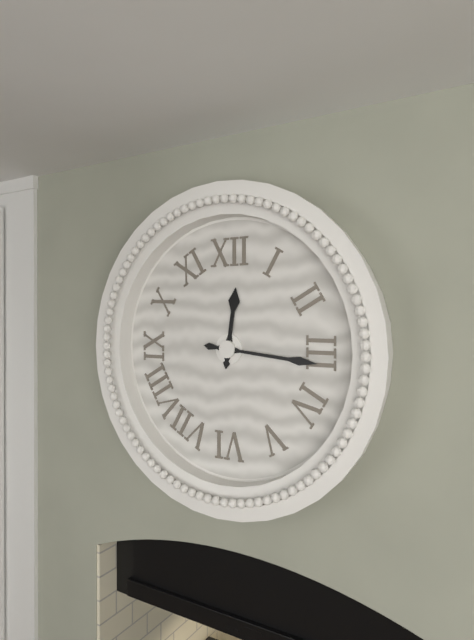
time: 12:16
